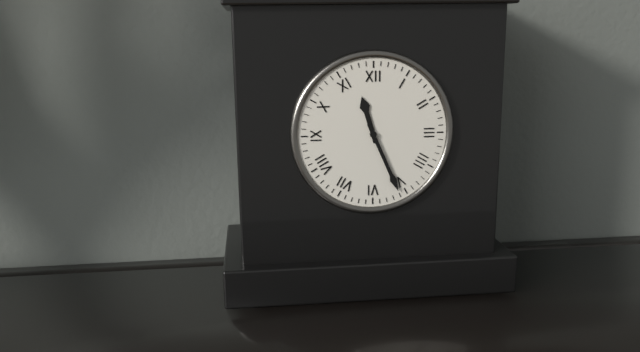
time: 11:26
